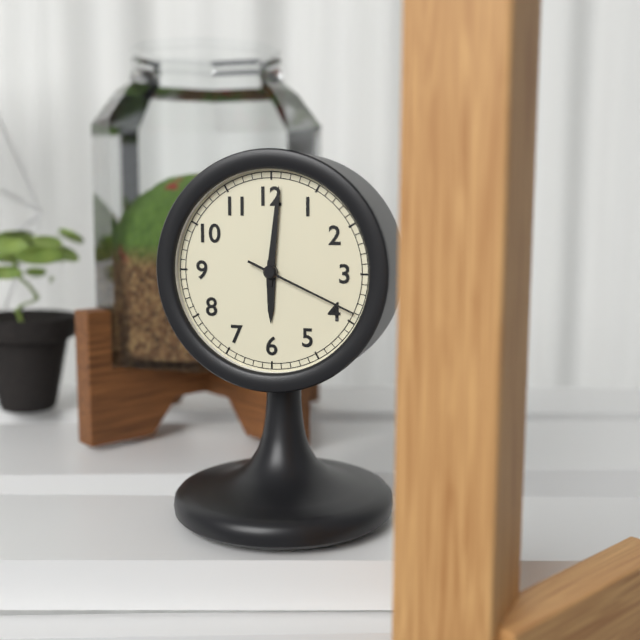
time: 6:01:19
